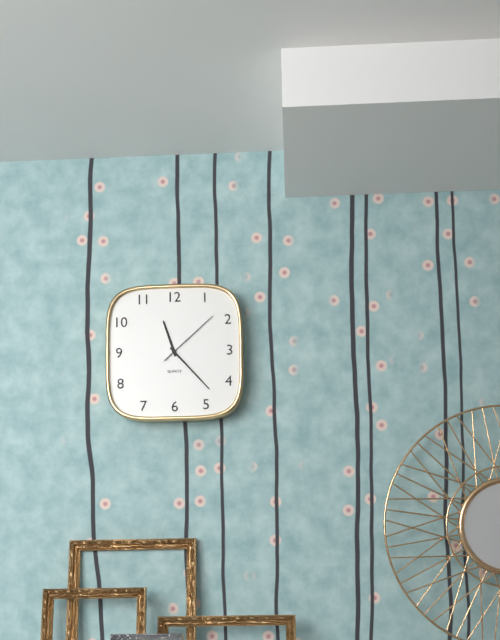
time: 11:23:08
